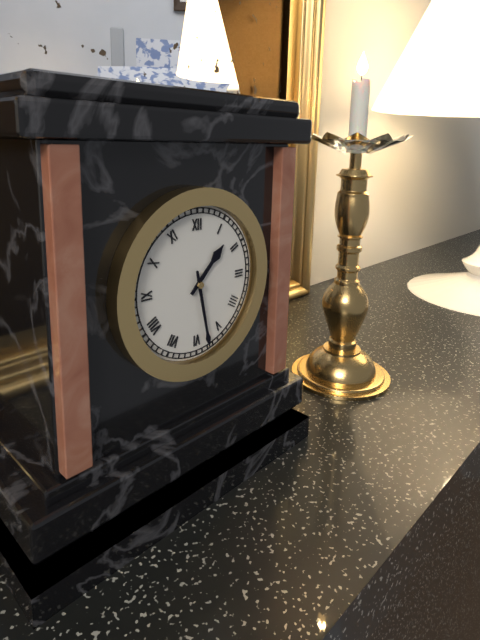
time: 1:28
